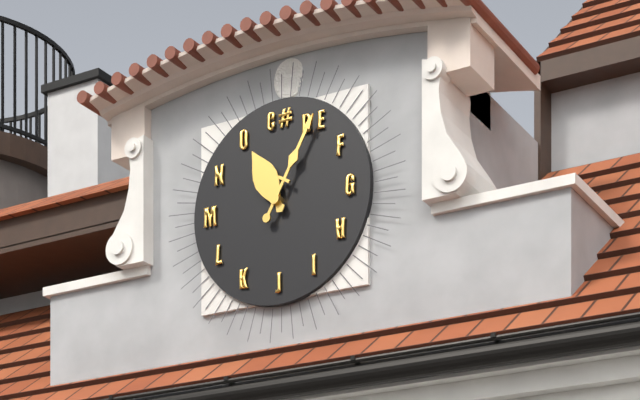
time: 11:05
